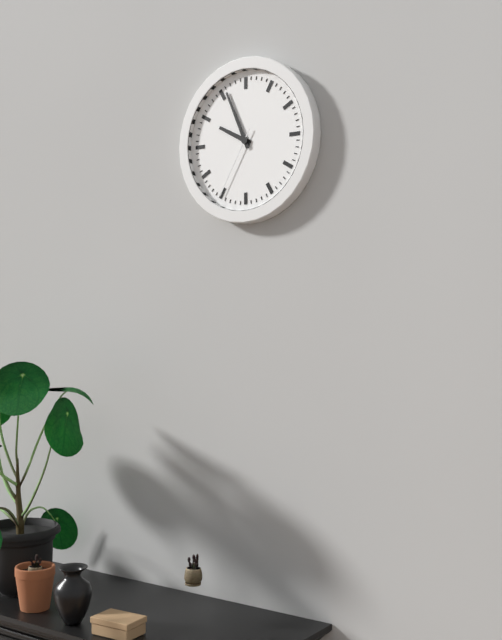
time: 9:56:35
